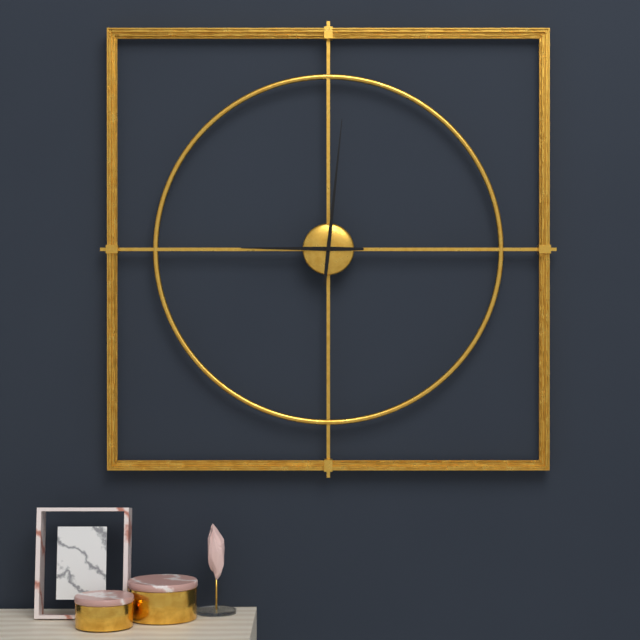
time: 9:01
